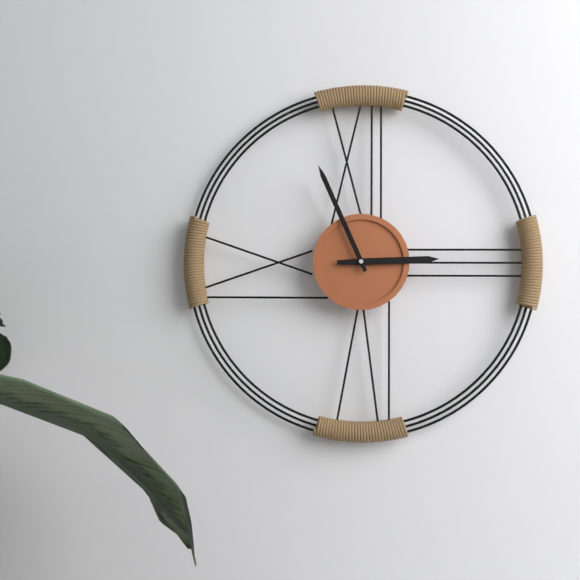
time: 2:56
